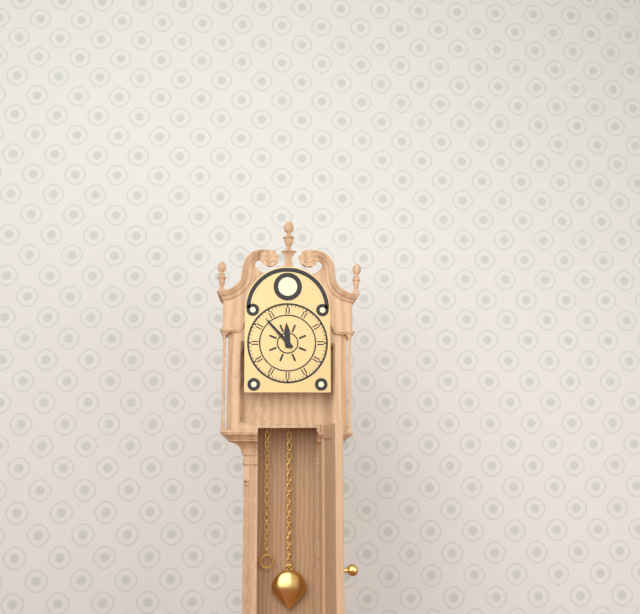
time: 11:53
